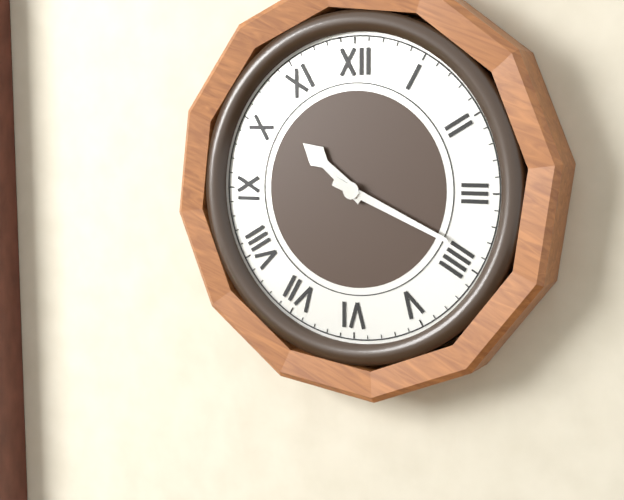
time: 10:19
